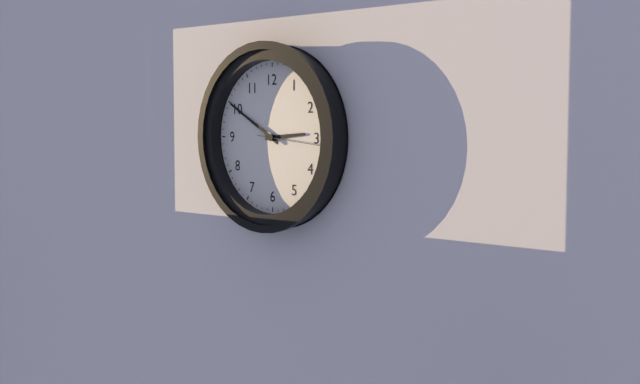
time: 2:50:16
